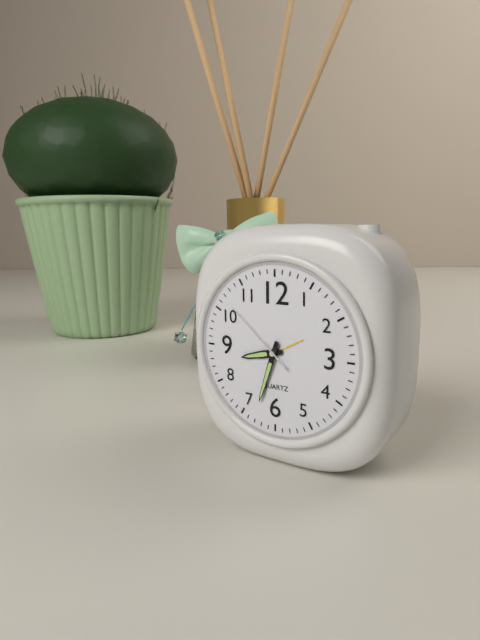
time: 8:33:52
